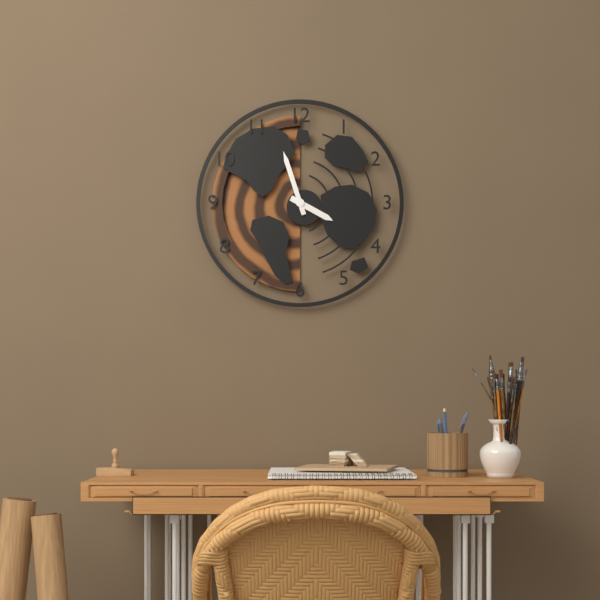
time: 3:57
